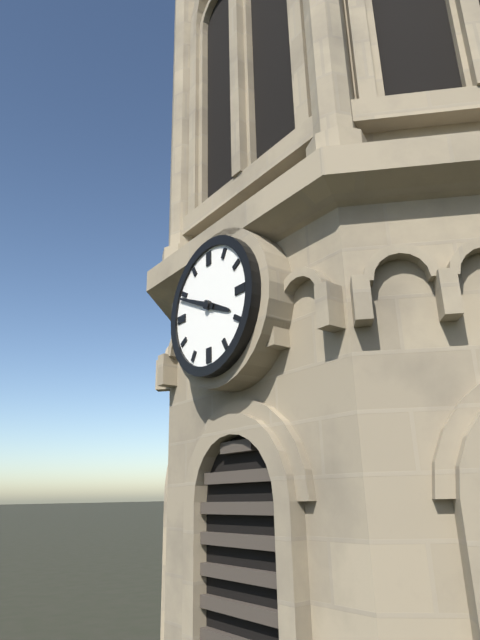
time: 3:49
